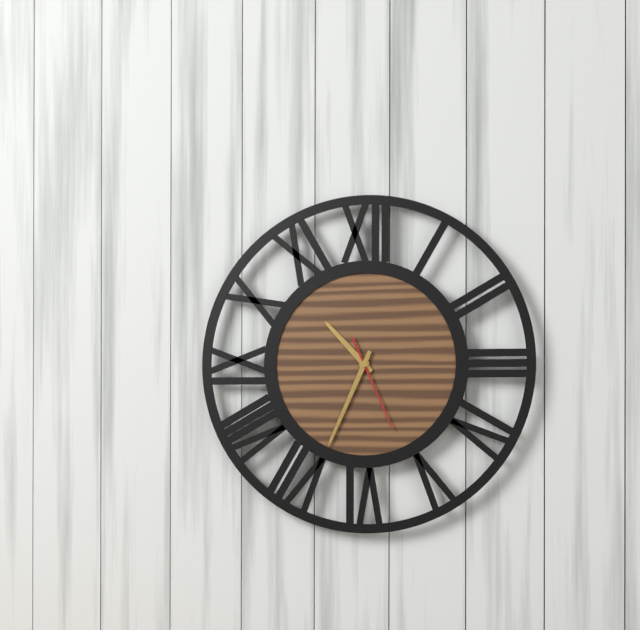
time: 10:34:26
